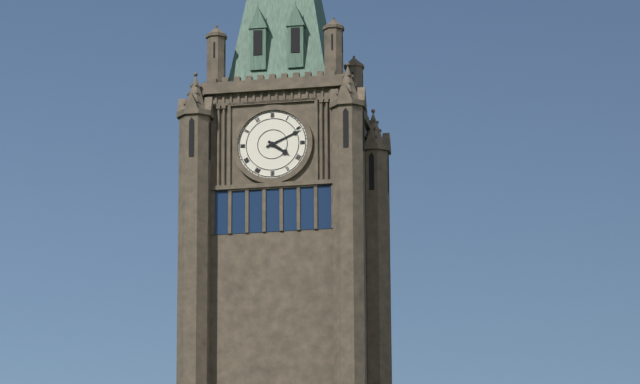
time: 4:11
